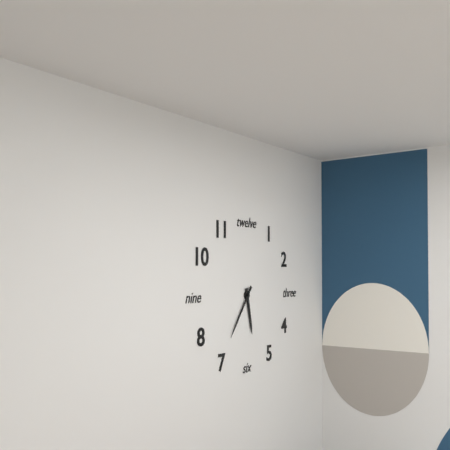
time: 5:36
